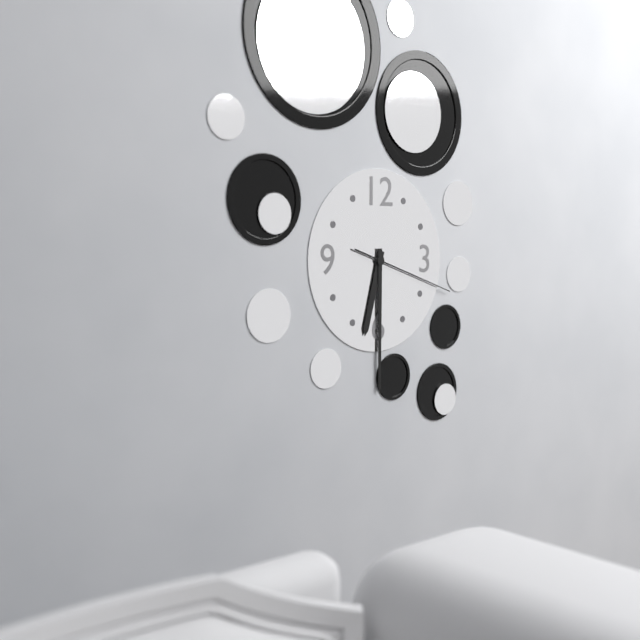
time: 6:30:18
